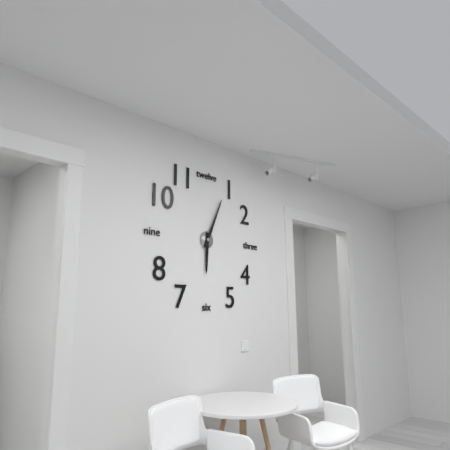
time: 6:04
